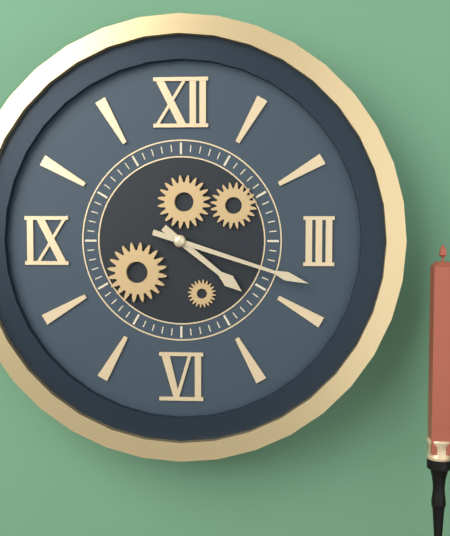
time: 4:18
